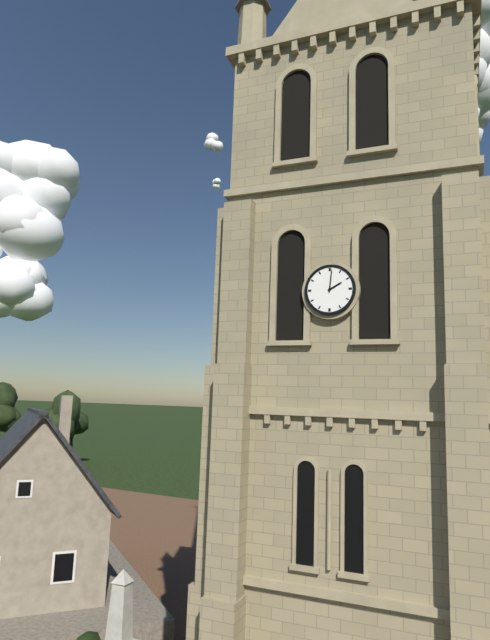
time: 2:01
